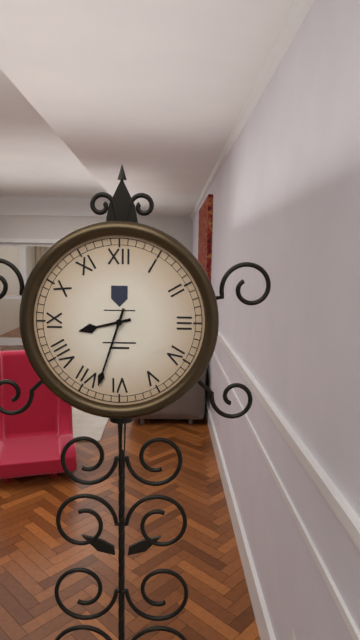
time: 8:33
